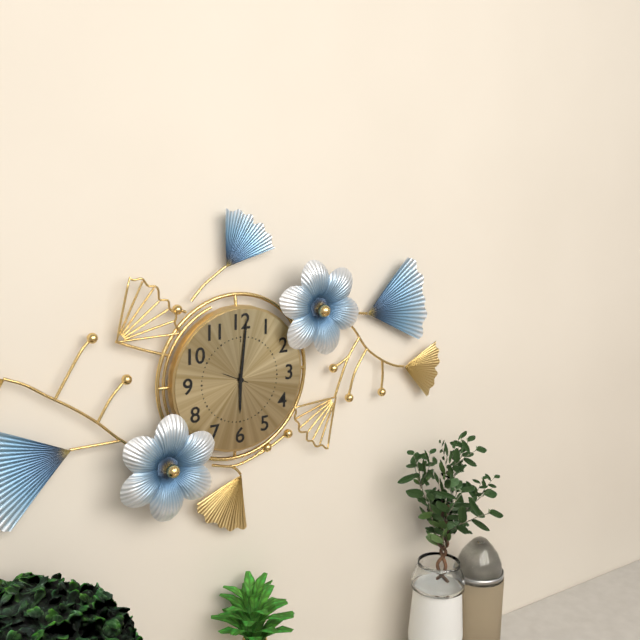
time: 6:01
